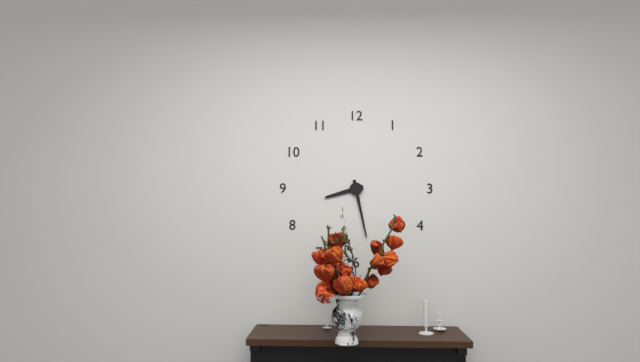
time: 8:28
